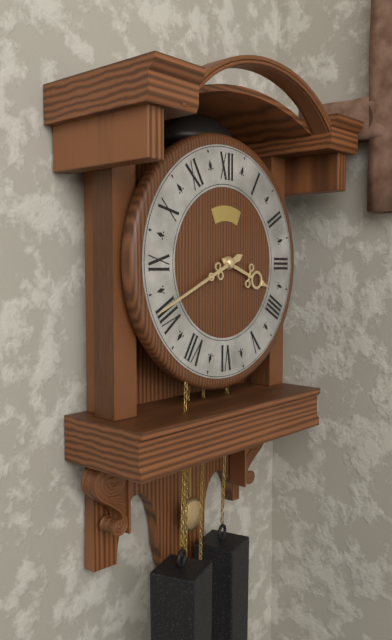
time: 3:41
